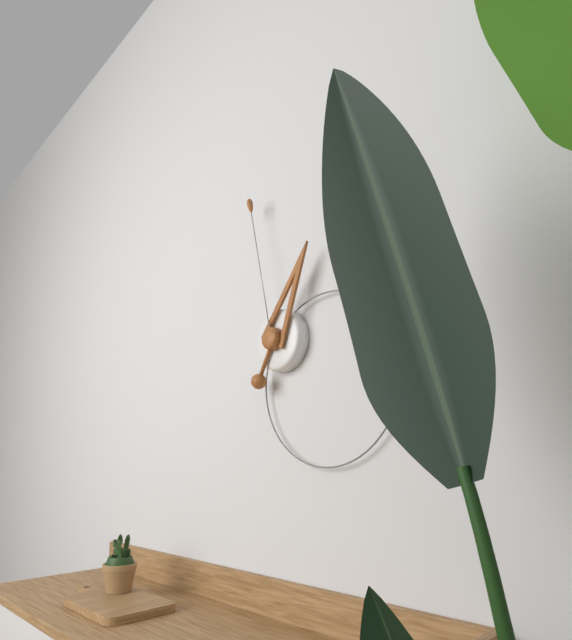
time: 12:58
